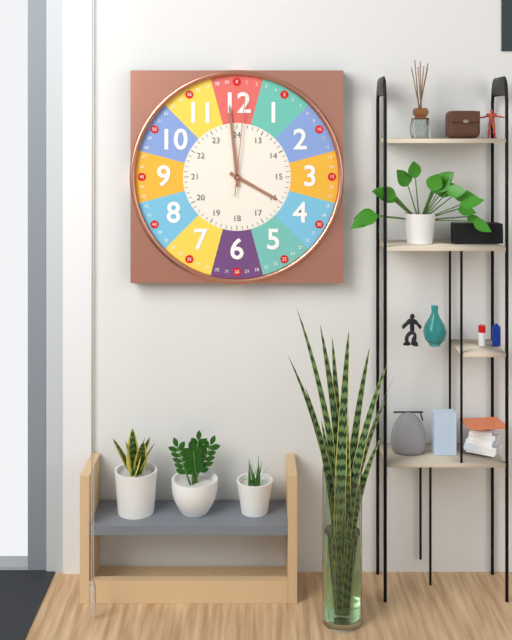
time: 3:59:01
